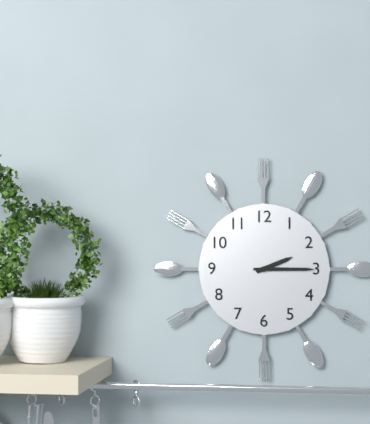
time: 2:15
